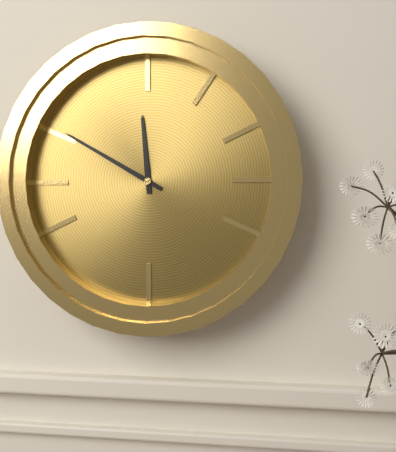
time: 11:50
